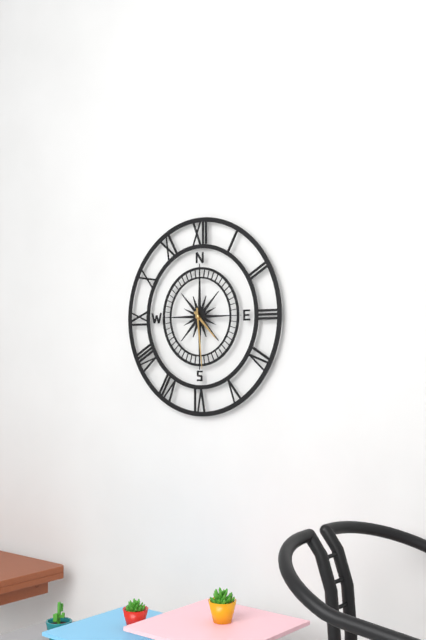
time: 4:29
